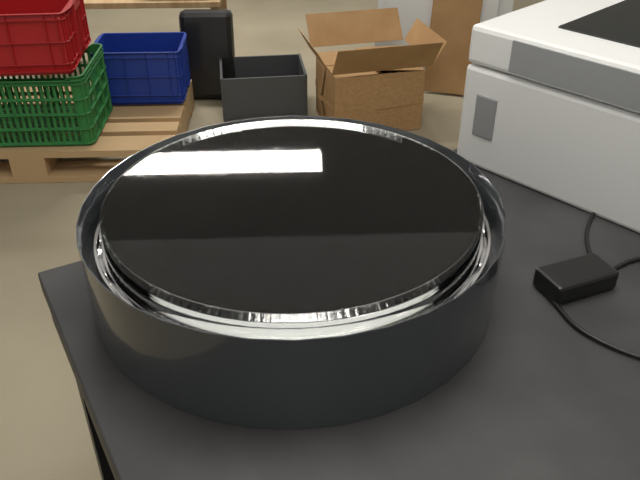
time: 10:37
